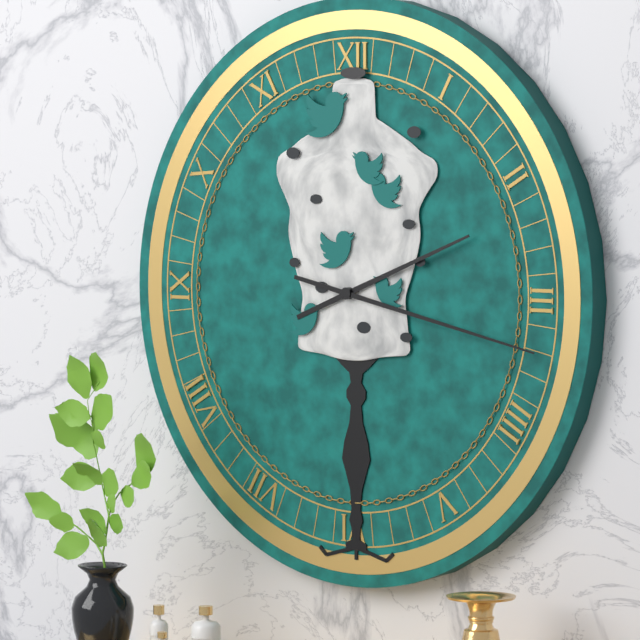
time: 2:17
